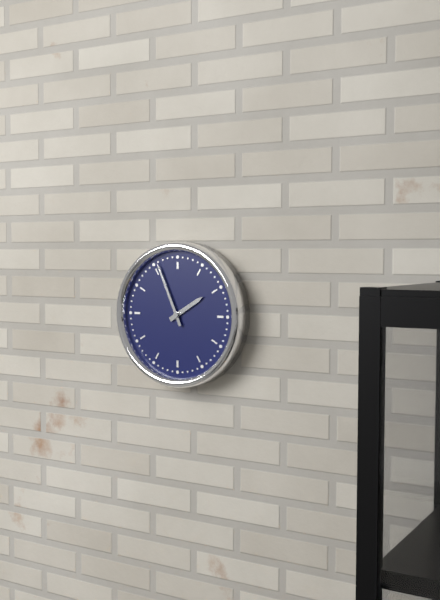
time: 1:56
